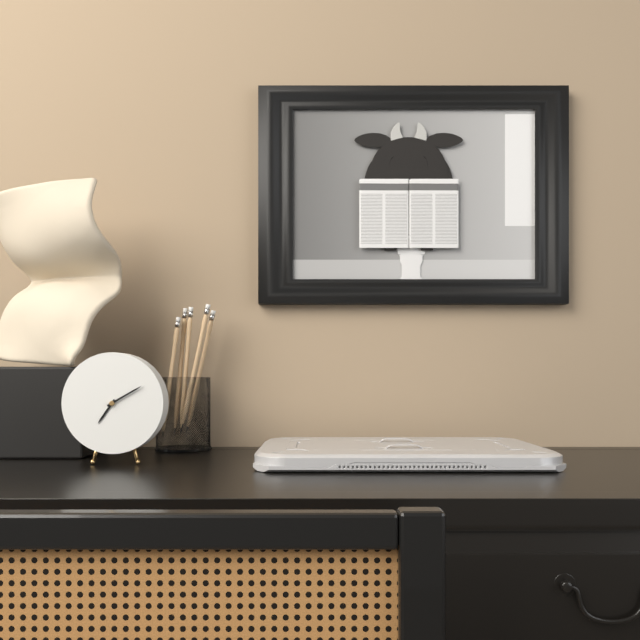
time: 7:10
